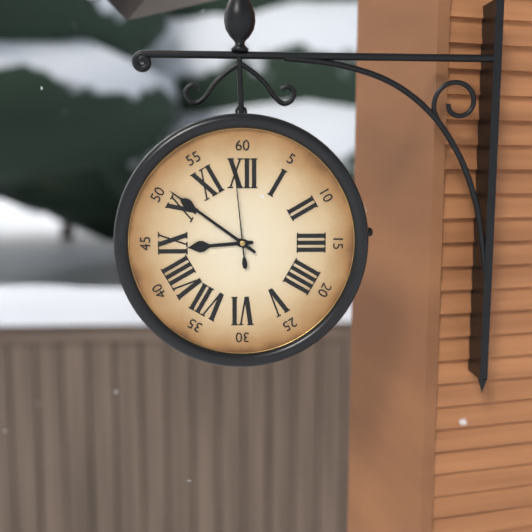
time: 8:51:59
